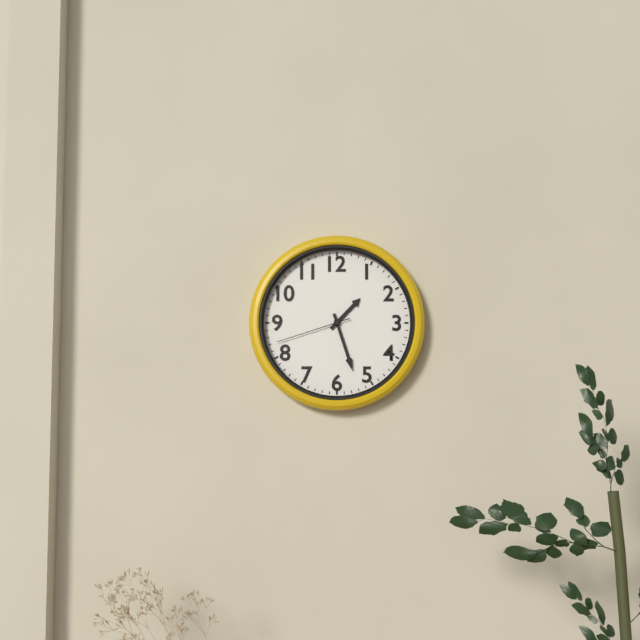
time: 1:27:42
